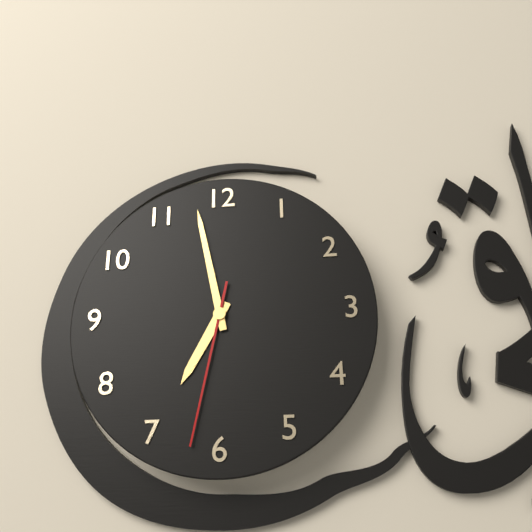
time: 6:58:32
